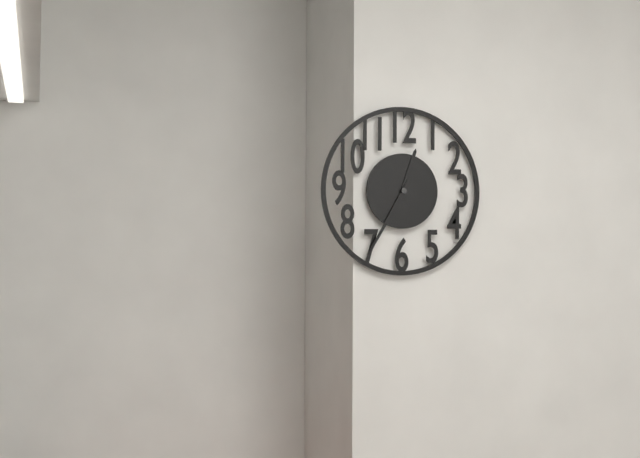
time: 12:35
